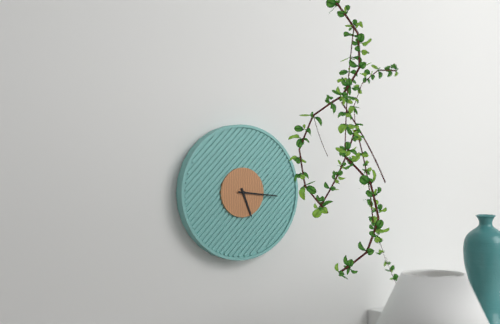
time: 5:16
